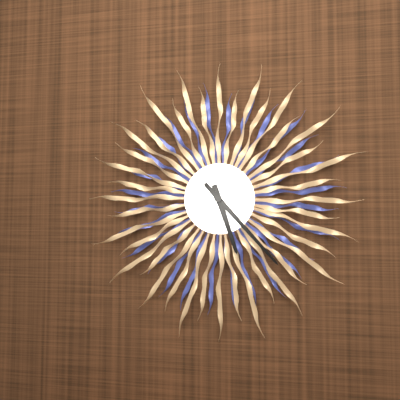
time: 5:23
